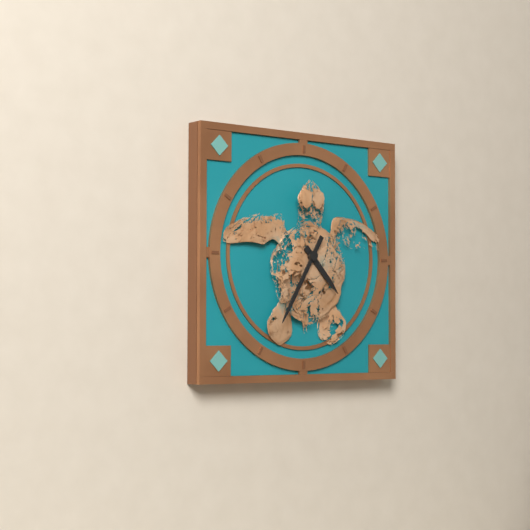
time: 4:35
